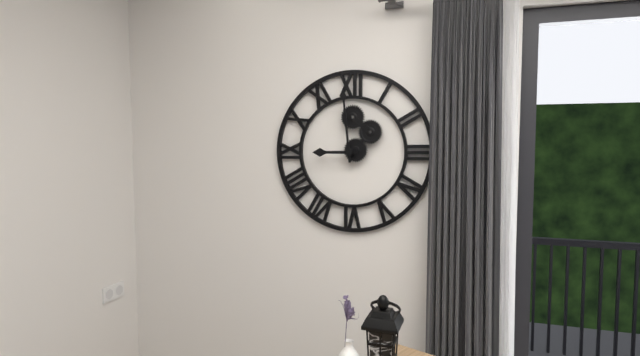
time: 8:59
